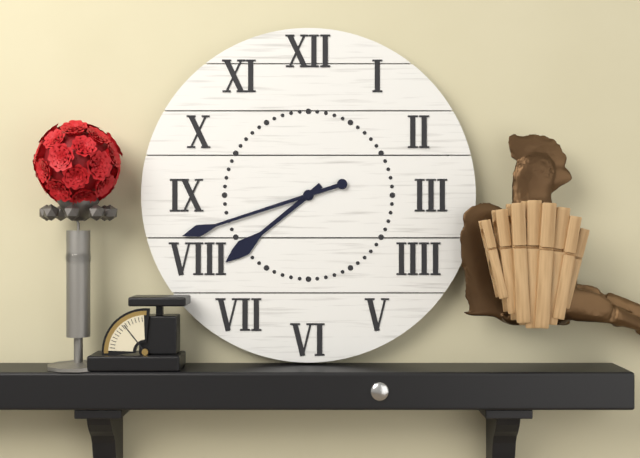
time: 7:42
